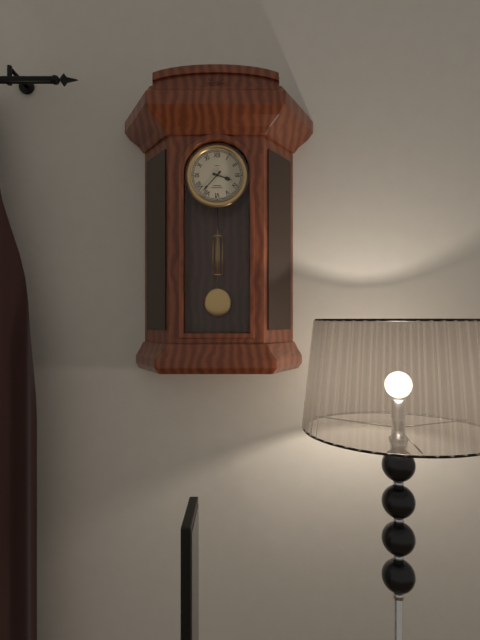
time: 3:37
